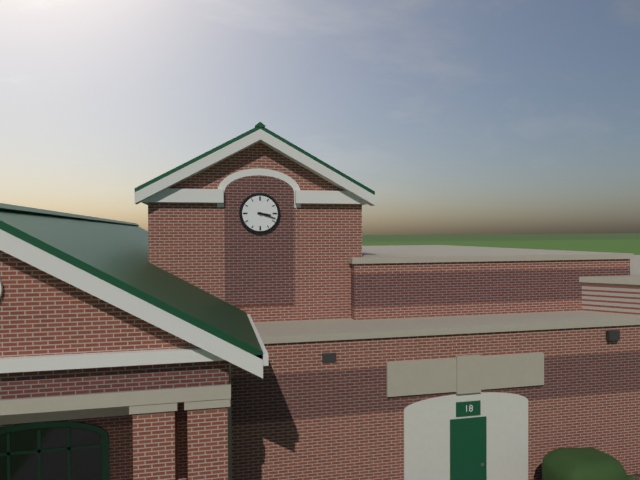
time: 3:18
